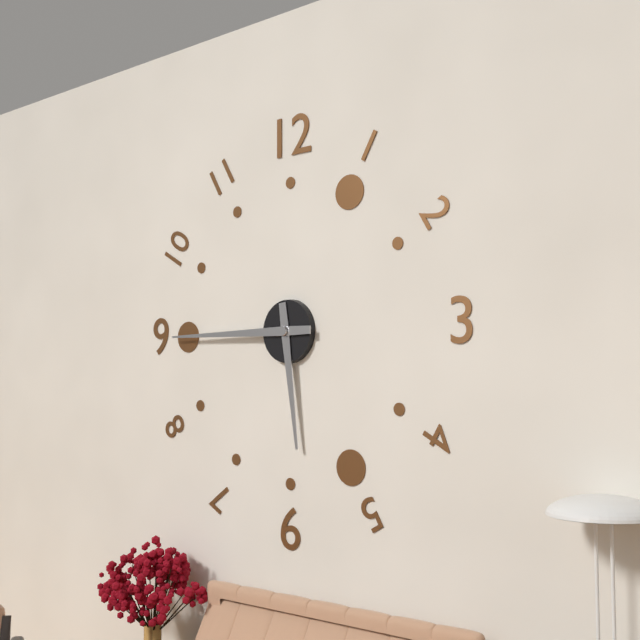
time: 5:45
